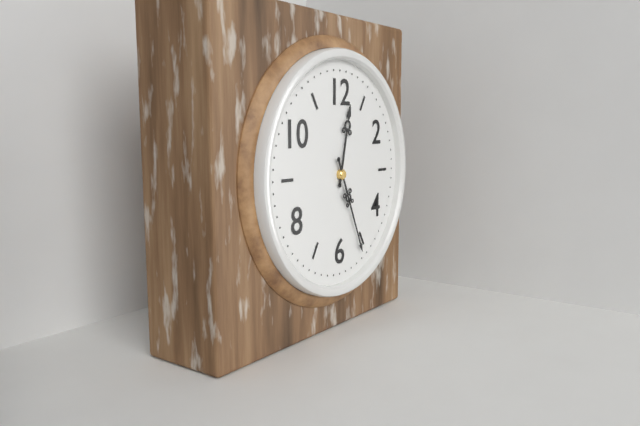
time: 12:26
